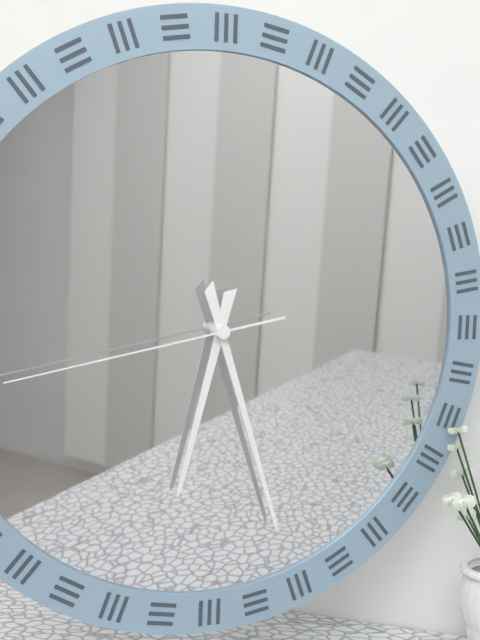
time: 6:27:43
